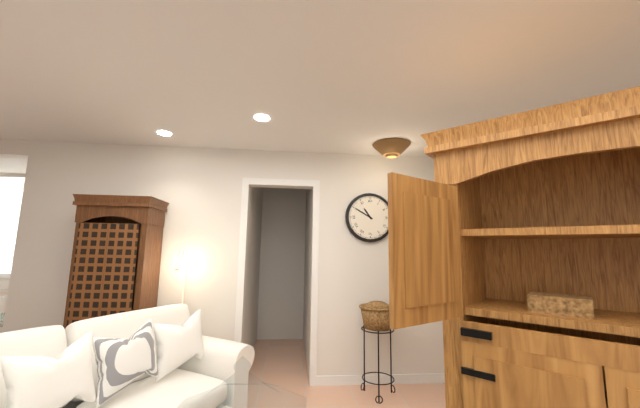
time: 10:50
